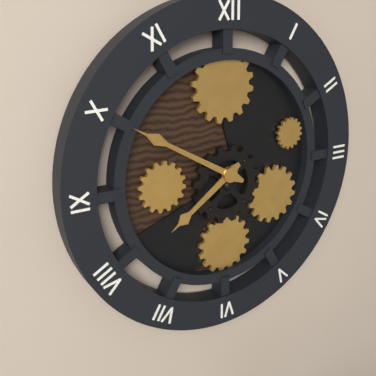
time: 7:50
